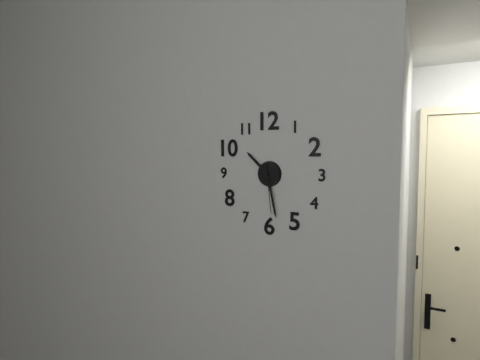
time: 10:28:29
